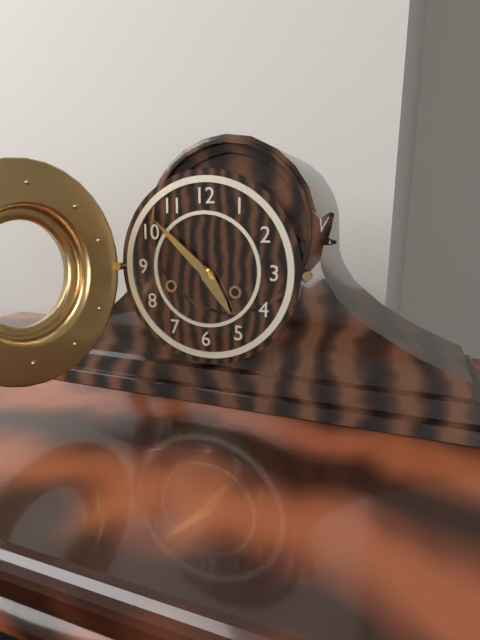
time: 4:52
